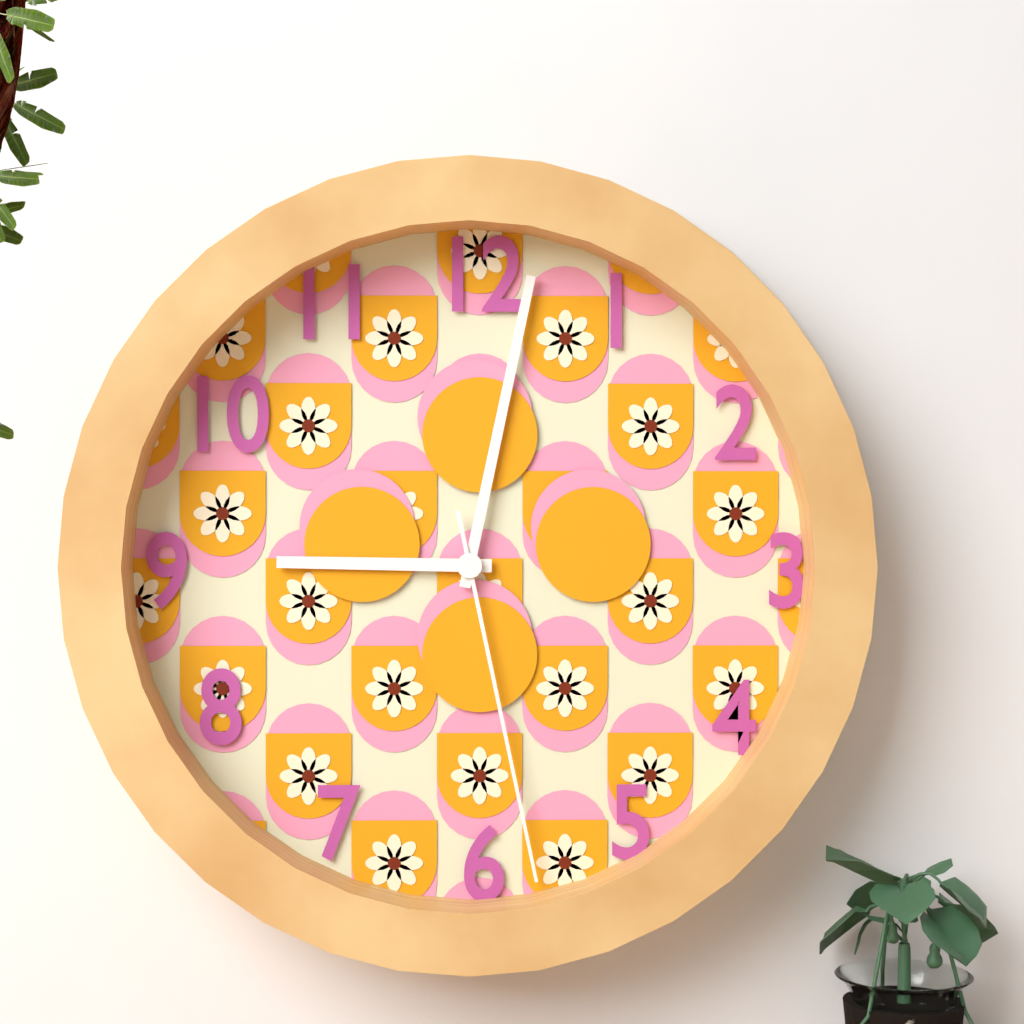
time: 9:02:28
